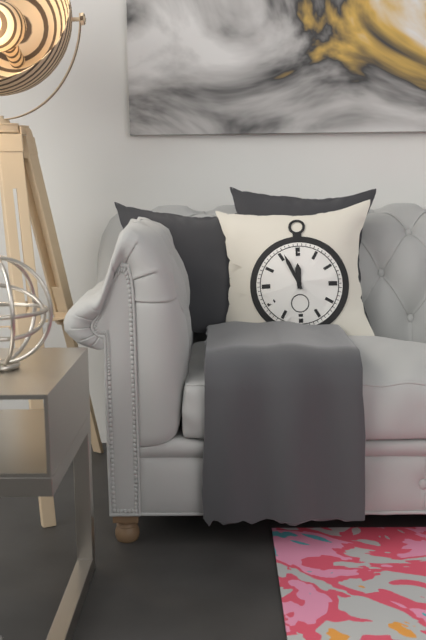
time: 11:56
